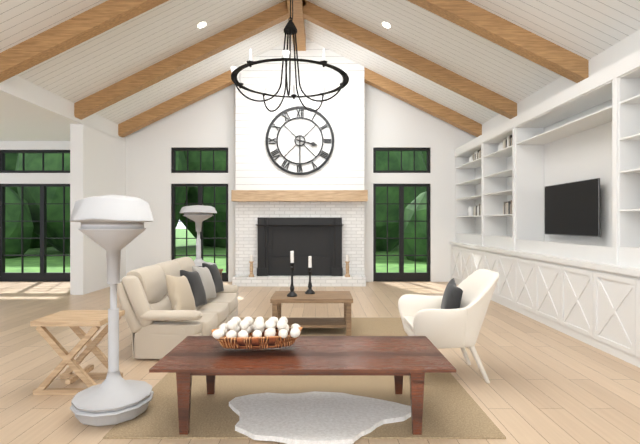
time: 3:30
